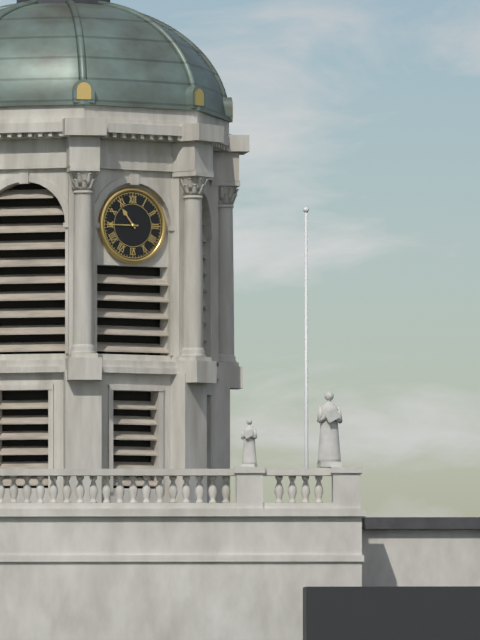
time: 10:45
